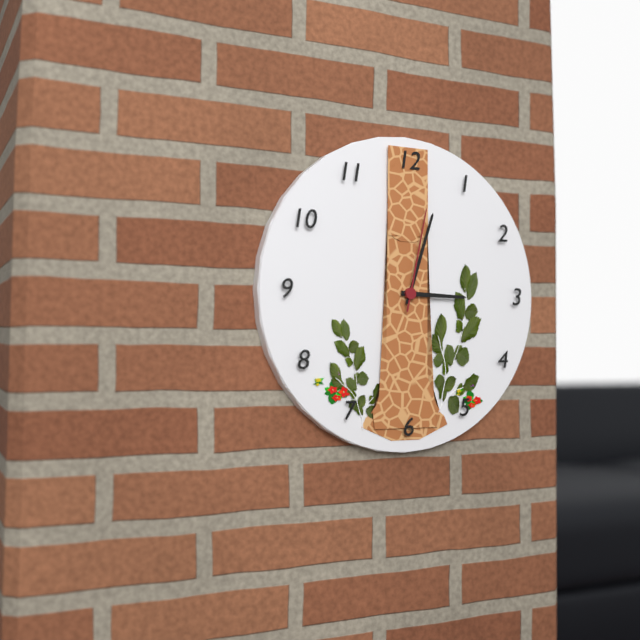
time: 3:03:02
